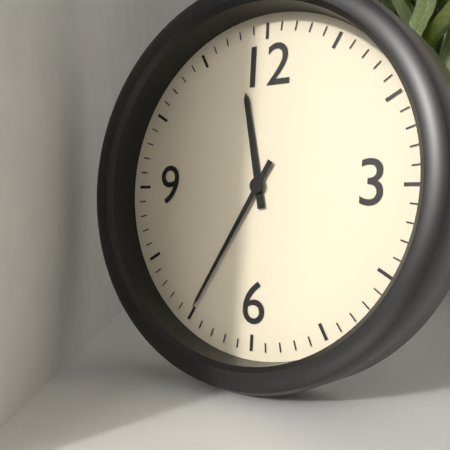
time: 11:35
